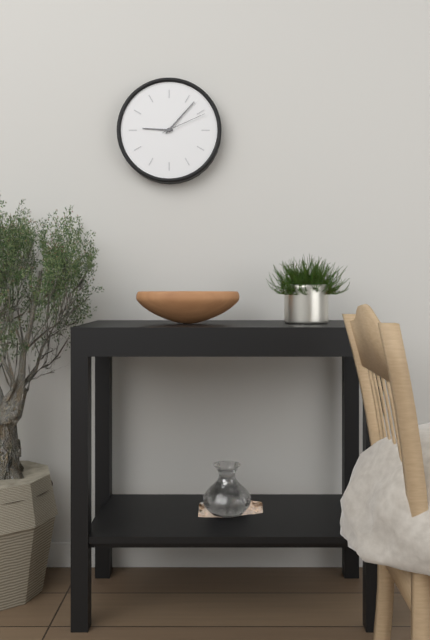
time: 9:07
